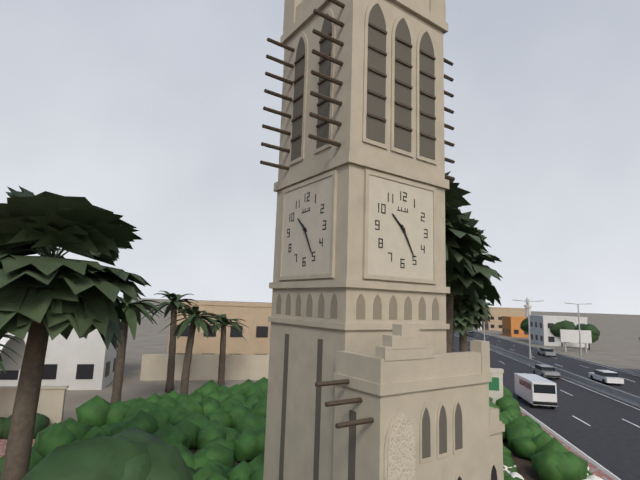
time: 10:25
